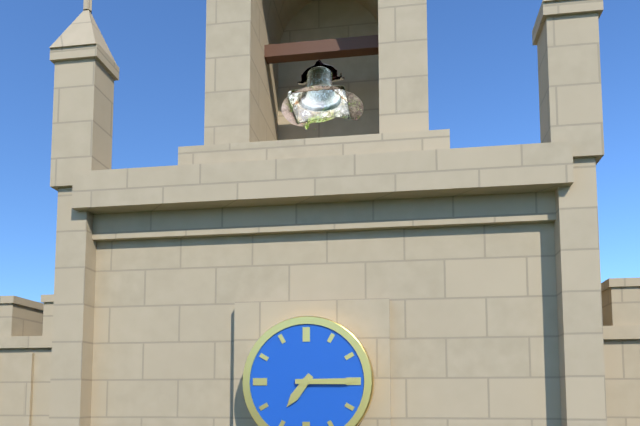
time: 7:15
